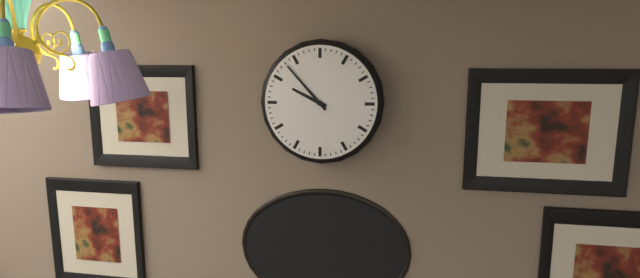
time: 9:53
